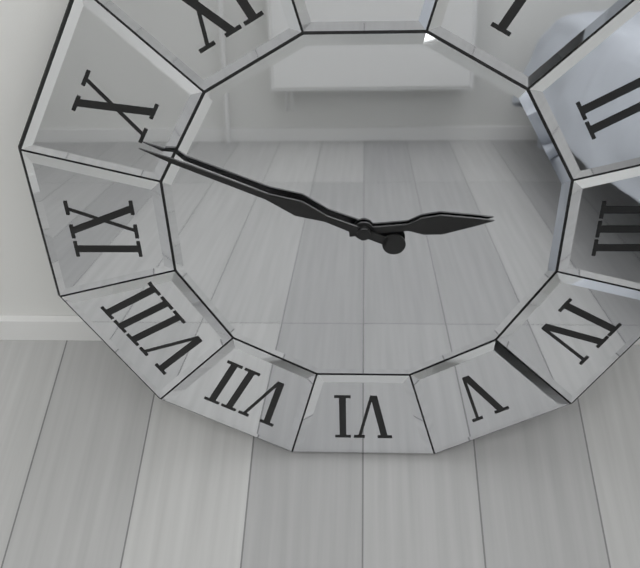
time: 2:49
